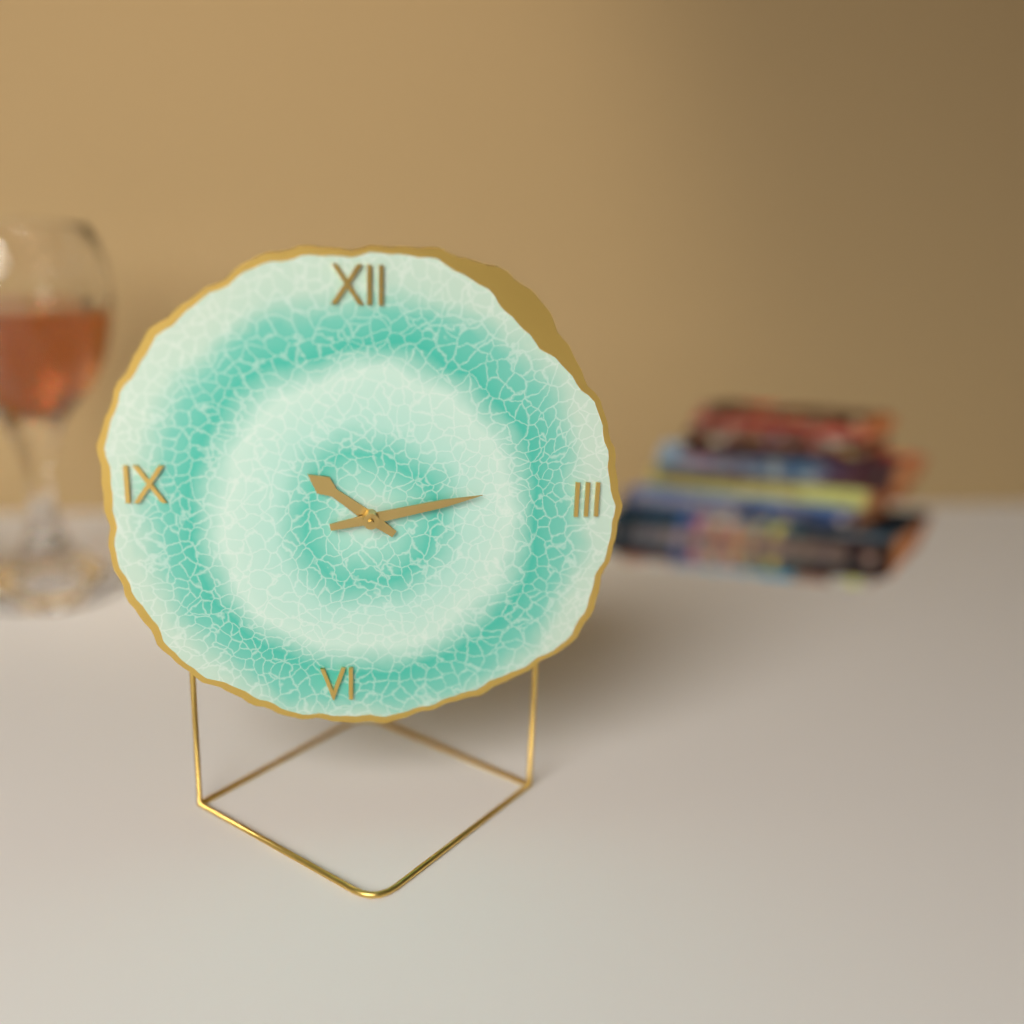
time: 10:13
